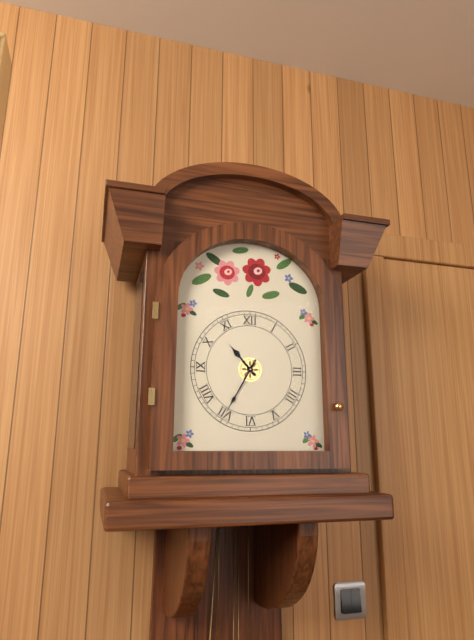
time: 10:35
